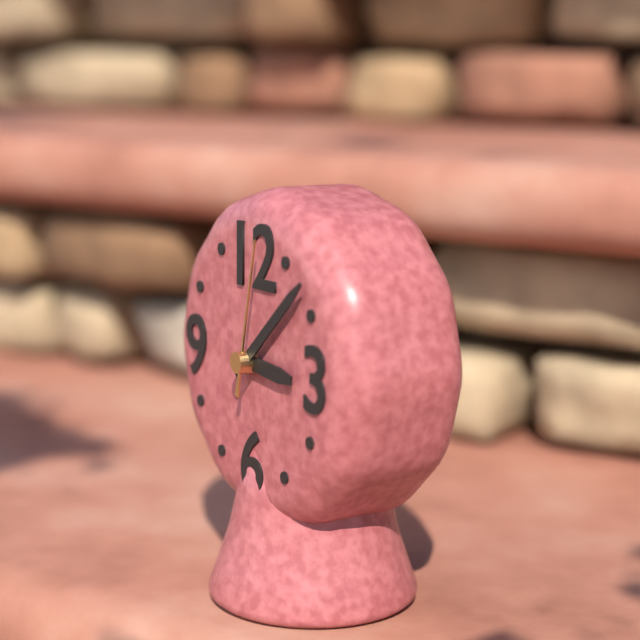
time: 3:08:02
